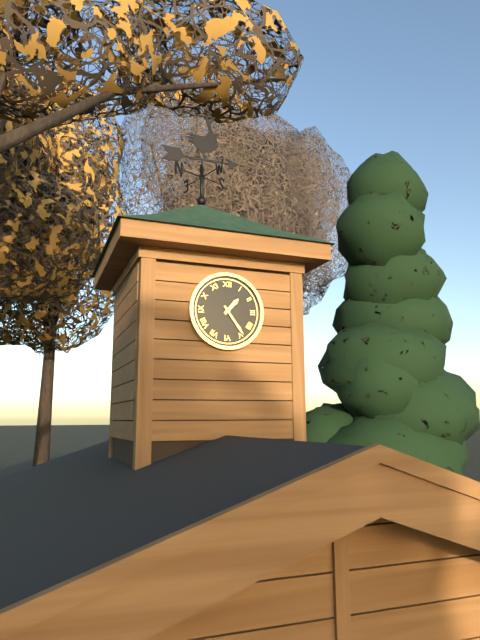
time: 1:24
